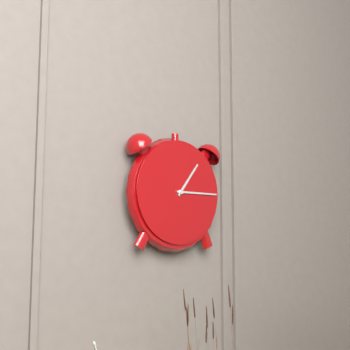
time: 1:15
